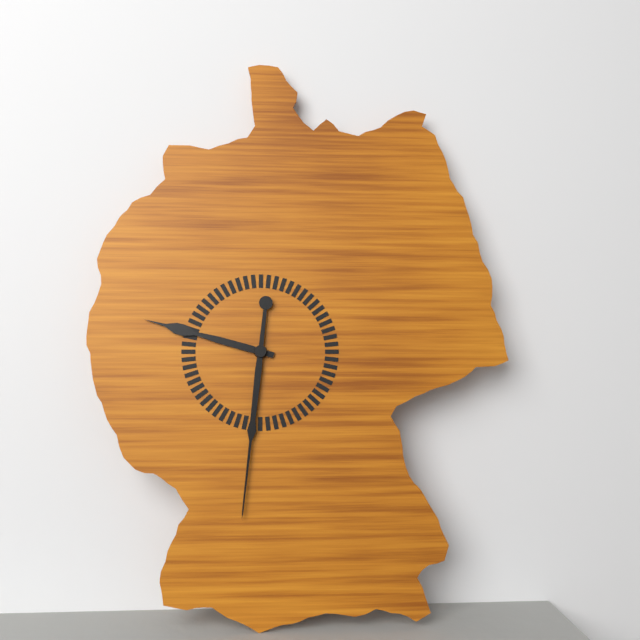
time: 9:31
